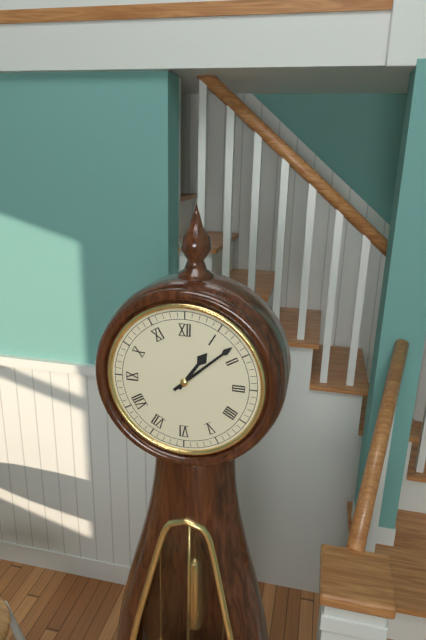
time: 1:08
